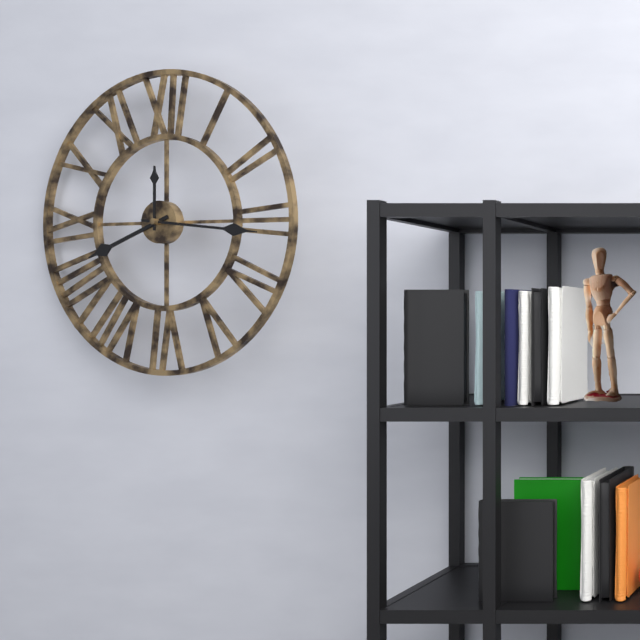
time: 8:16:00
